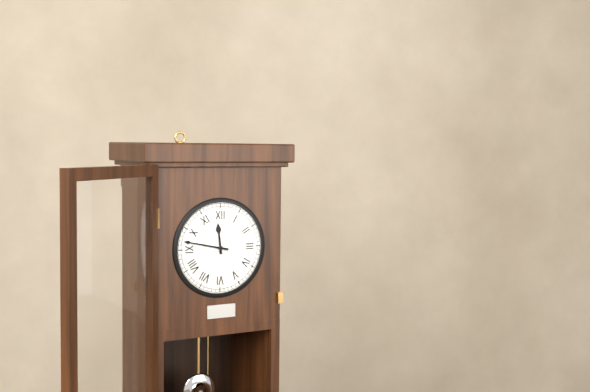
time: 11:47
